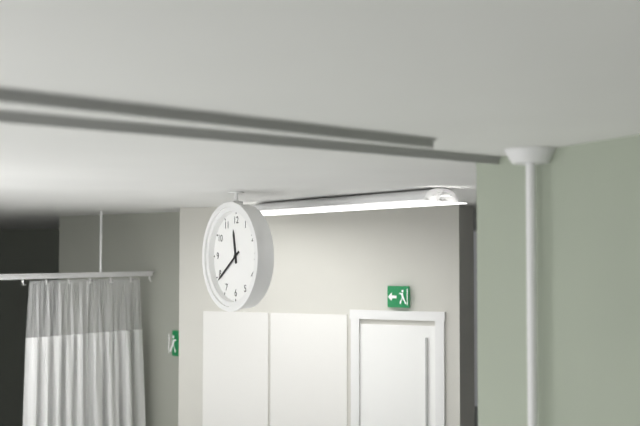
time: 11:39
